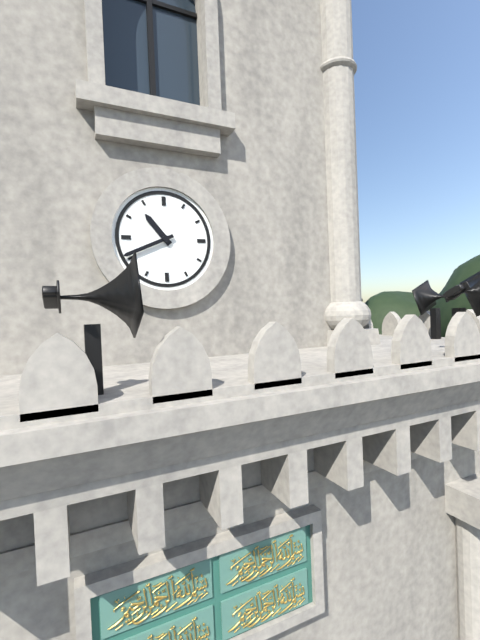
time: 10:41
